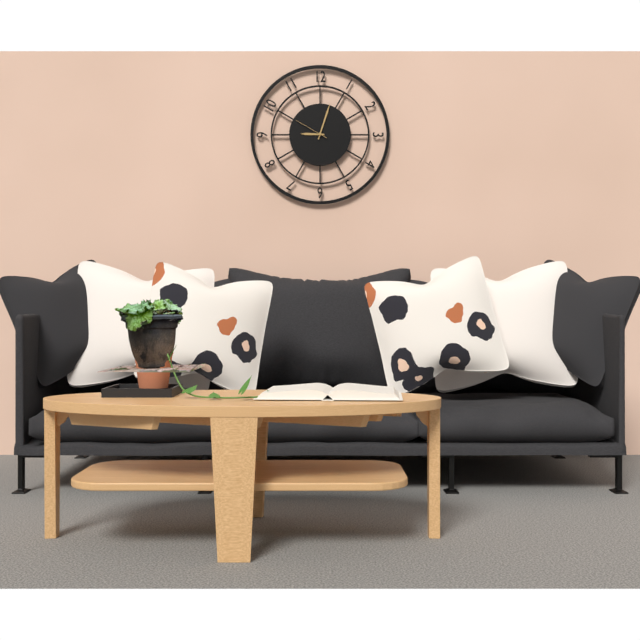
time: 9:03
